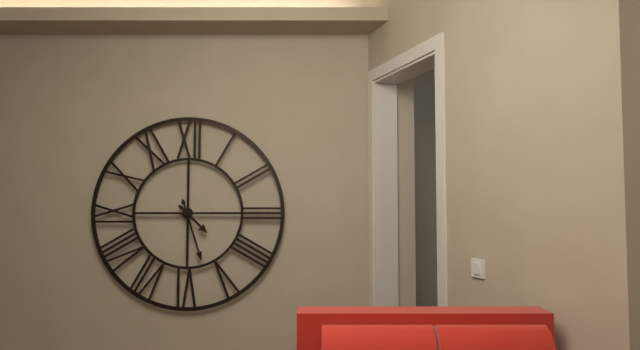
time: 4:27
